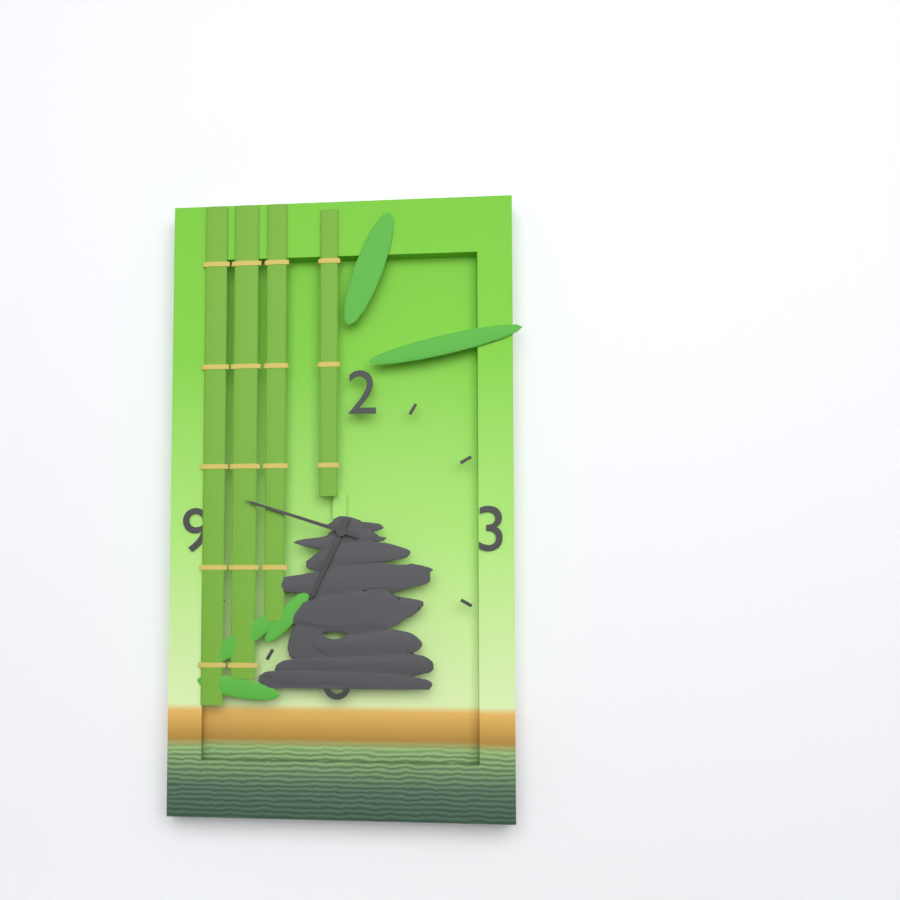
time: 6:48
